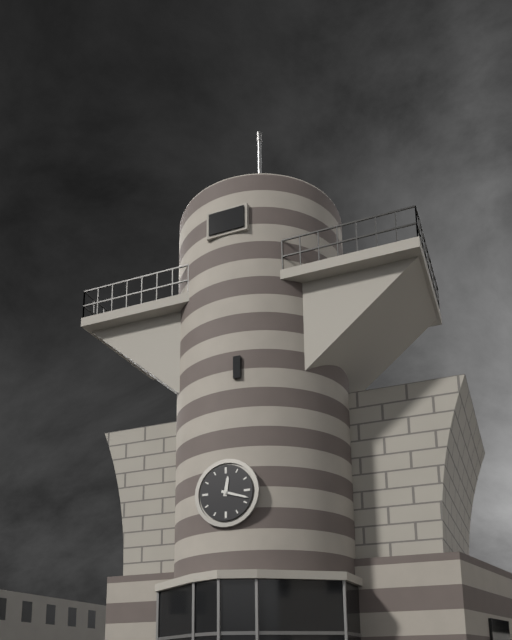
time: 12:18
